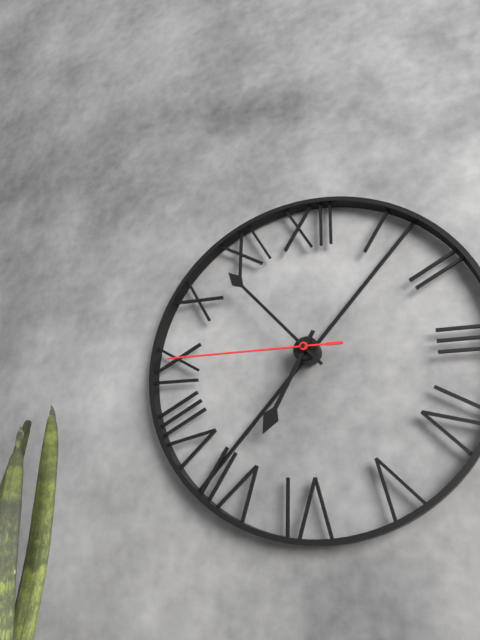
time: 6:53:45
